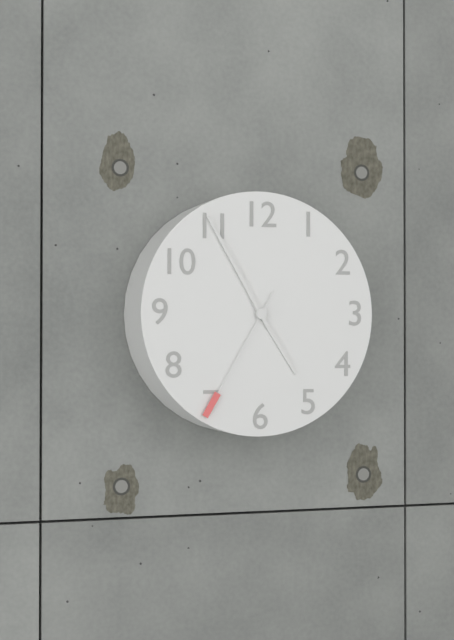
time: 4:55:35
